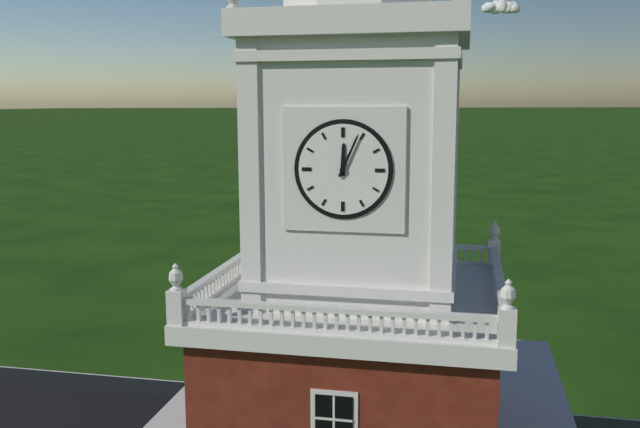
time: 12:04
